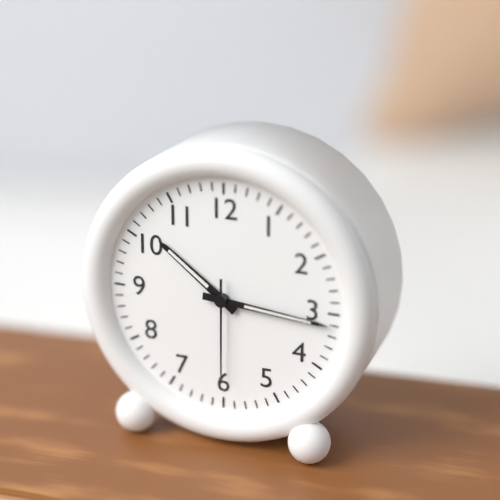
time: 10:16:30
